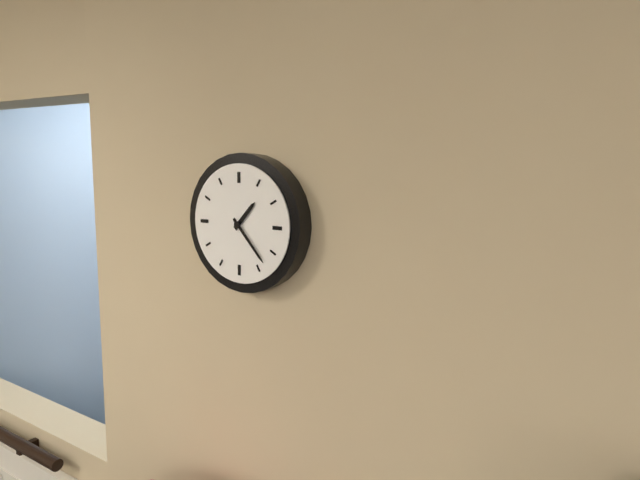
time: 1:23
